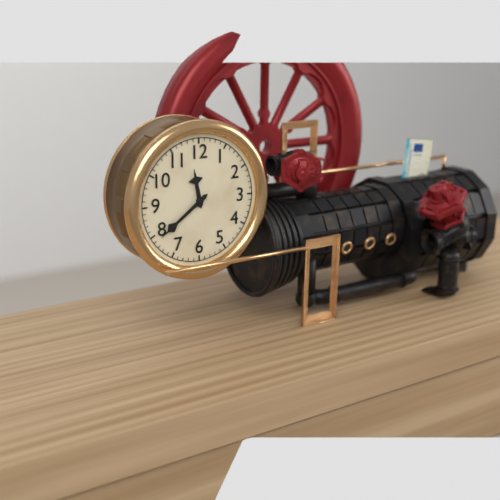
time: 11:39
